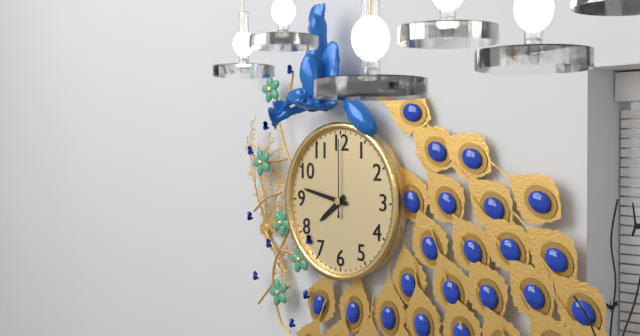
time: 7:47:00
